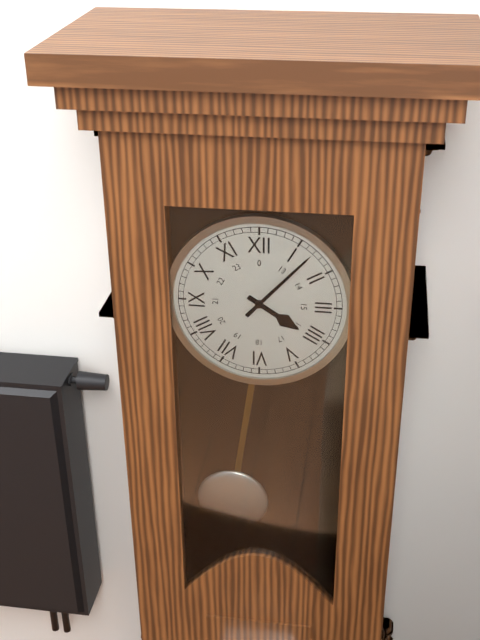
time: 4:07
